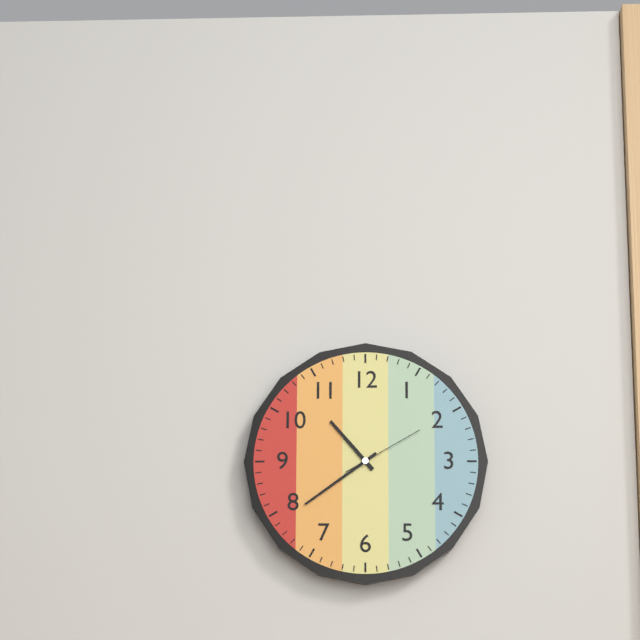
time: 10:39:10
